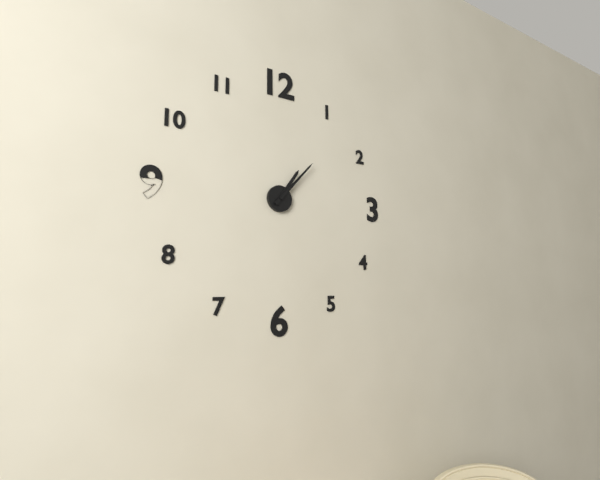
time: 1:07
